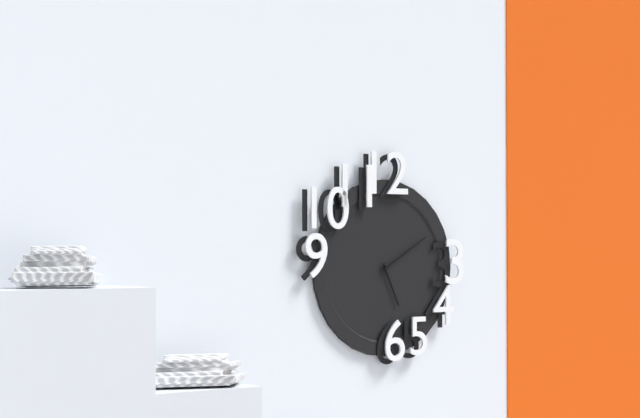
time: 5:10
